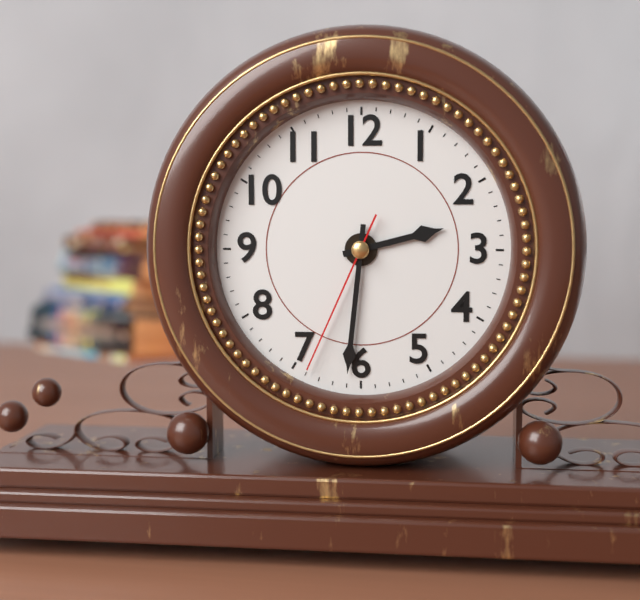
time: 2:31:34
